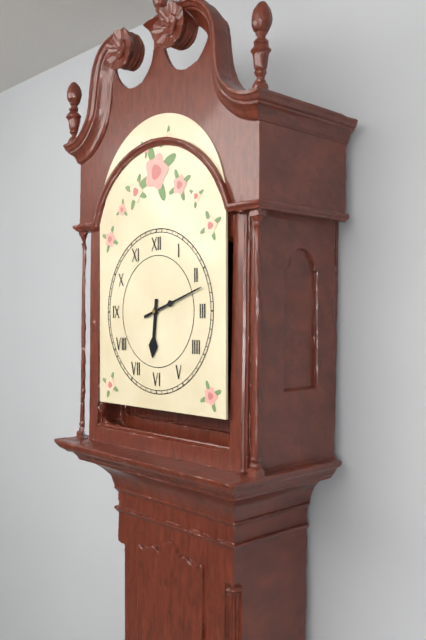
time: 6:12
